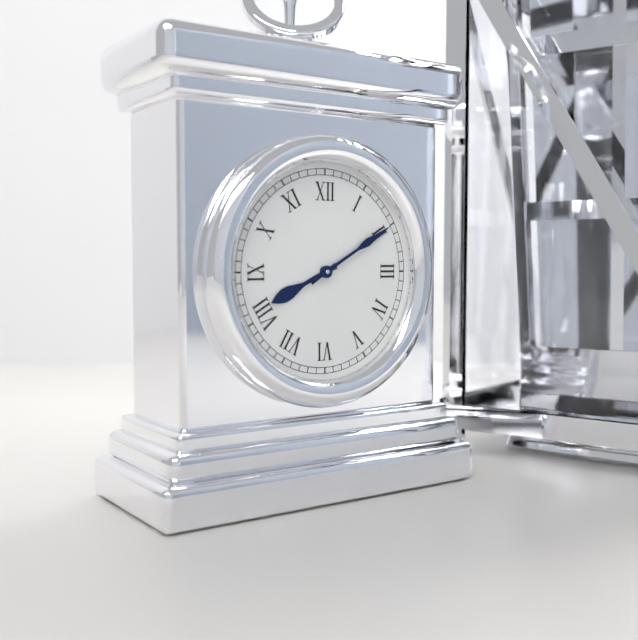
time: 8:10
